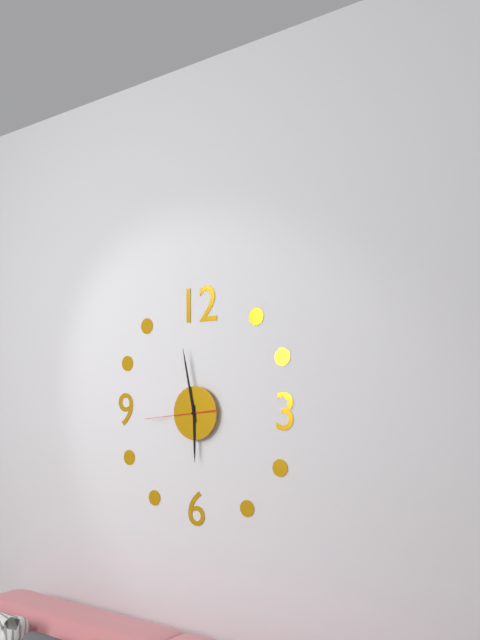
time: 5:58:44
